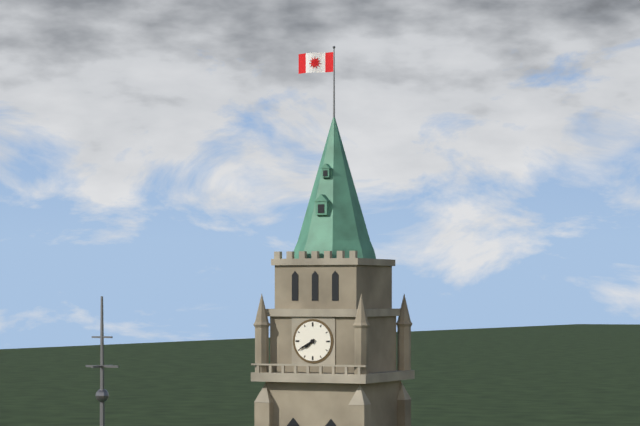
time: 7:40
